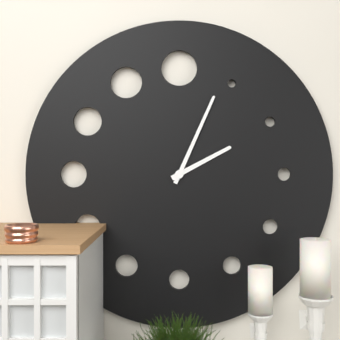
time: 2:04
